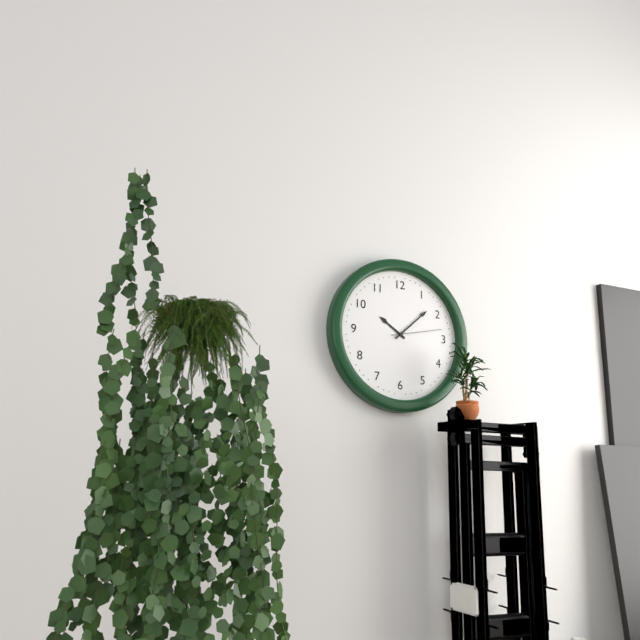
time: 10:08:13
